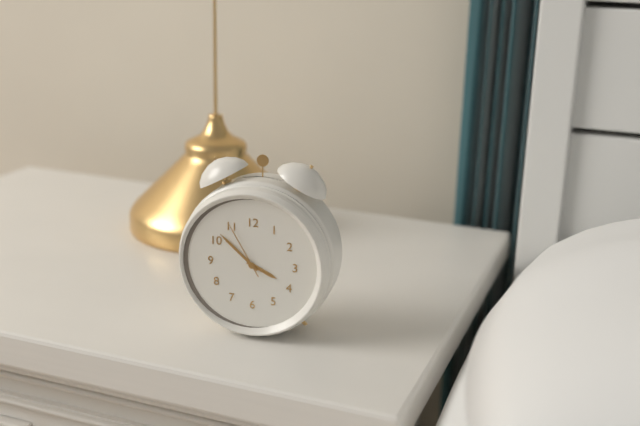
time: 3:52:55
